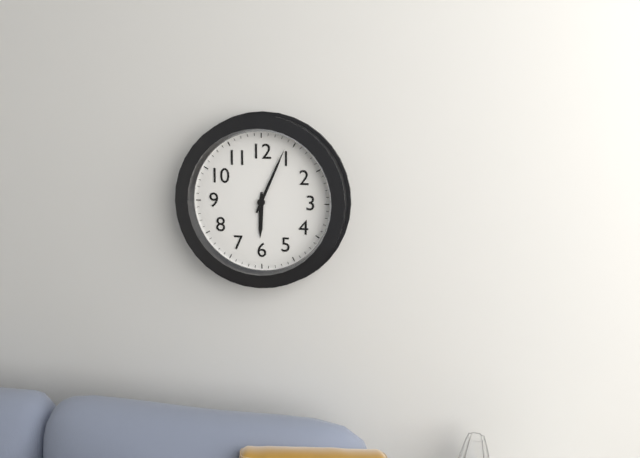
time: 6:04
